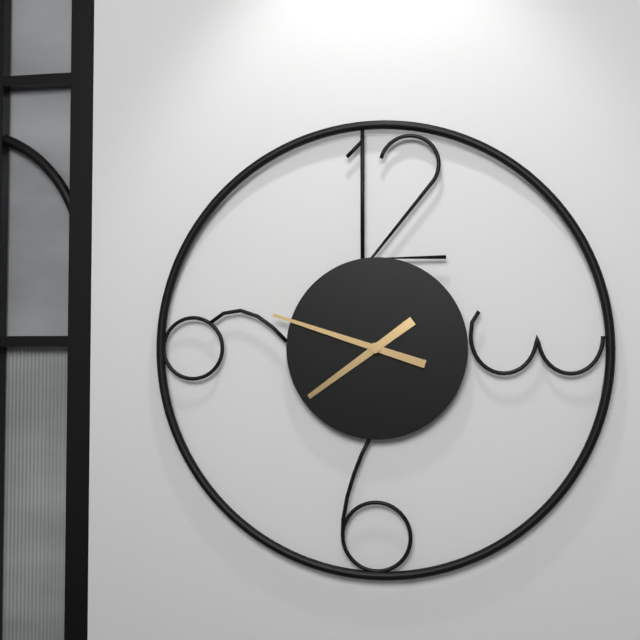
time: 7:48
